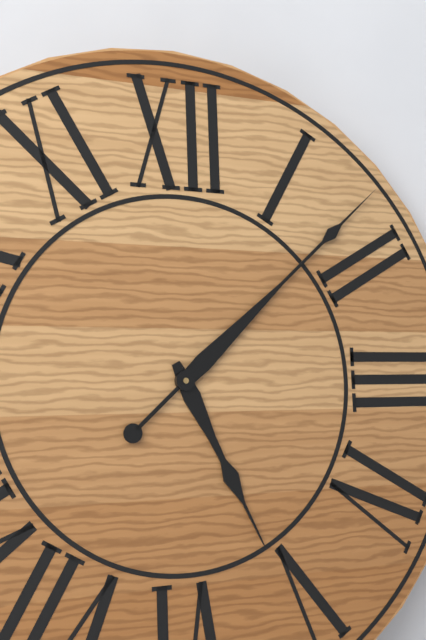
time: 5:08
